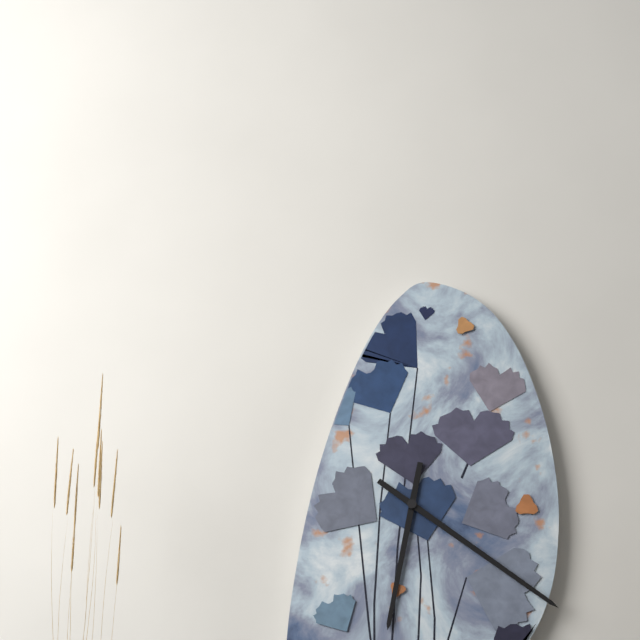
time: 6:21
